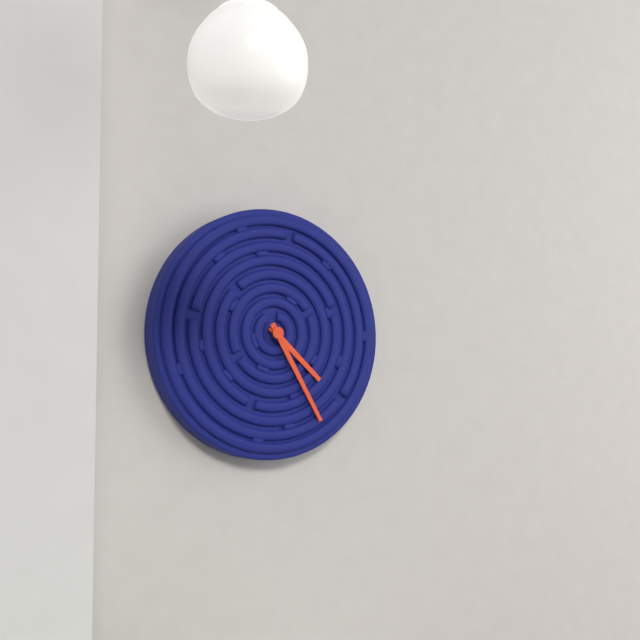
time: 4:25
